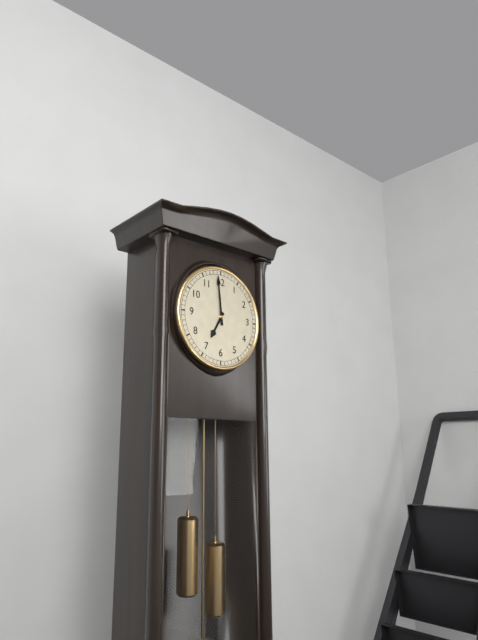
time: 6:59
